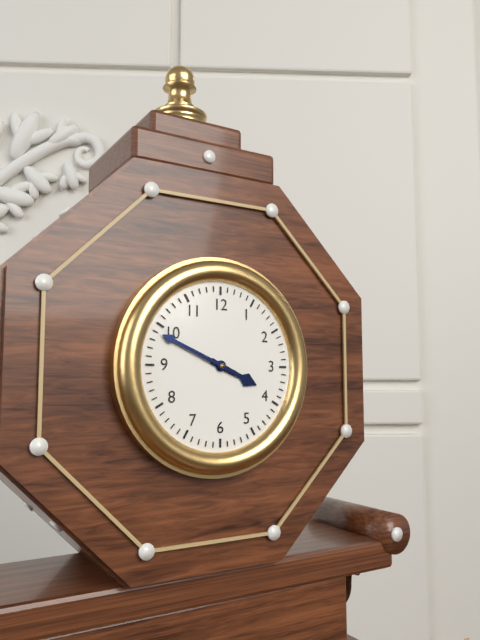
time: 3:49
